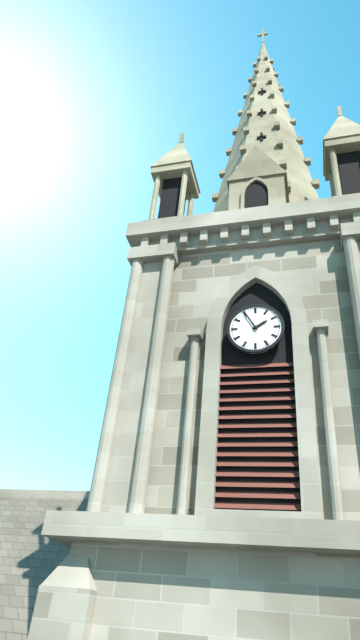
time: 1:55
